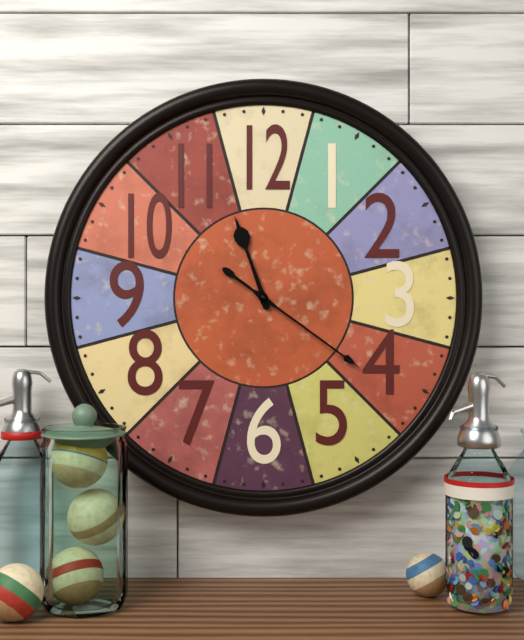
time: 11:21
